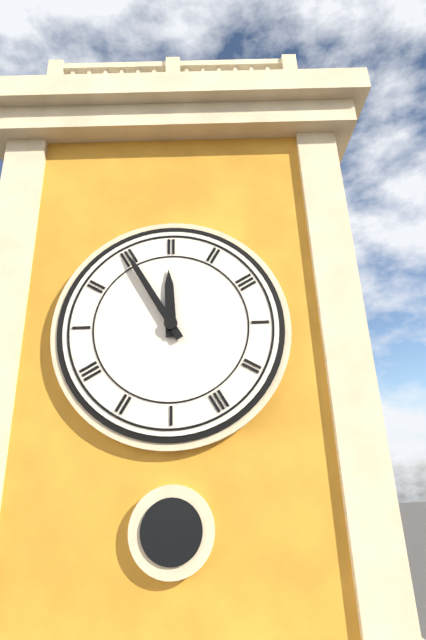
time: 11:55
